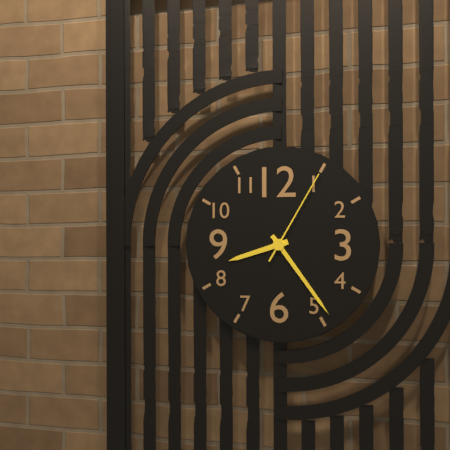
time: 8:24:05
